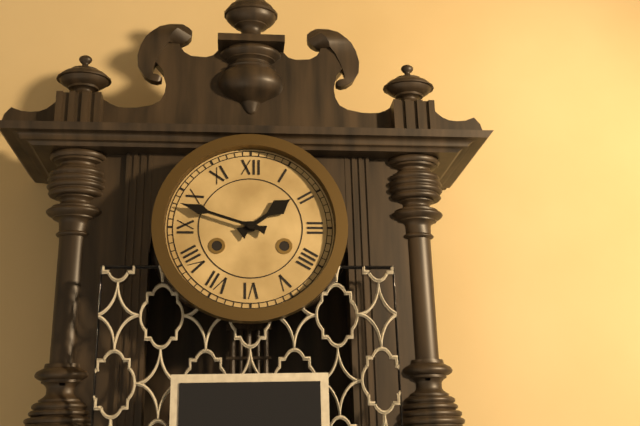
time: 1:48
